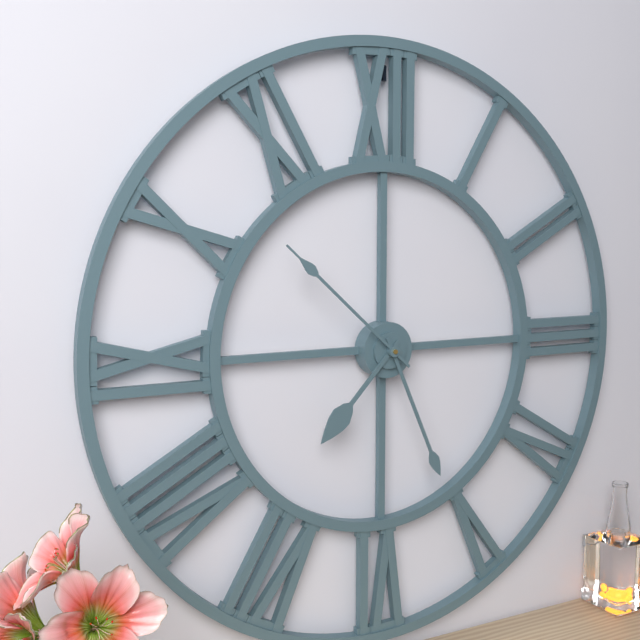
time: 7:26:52
